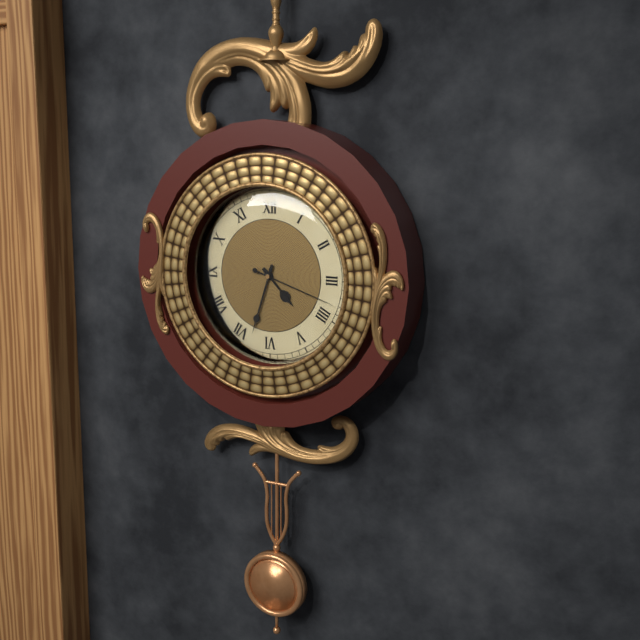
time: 4:33:18
